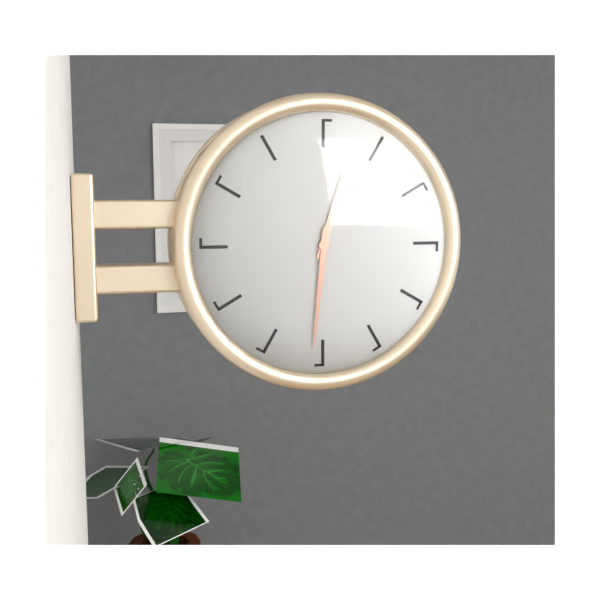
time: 12:31
